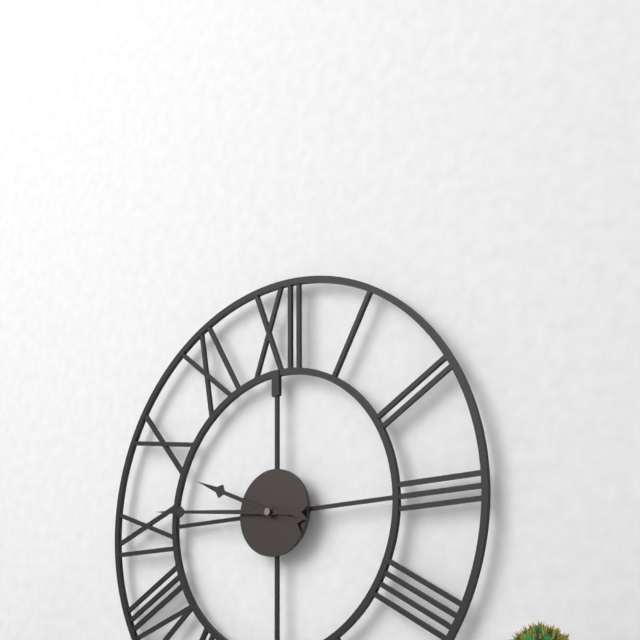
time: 9:46
